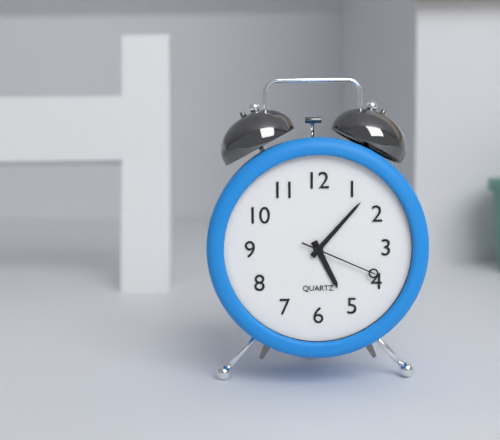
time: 5:07:19
